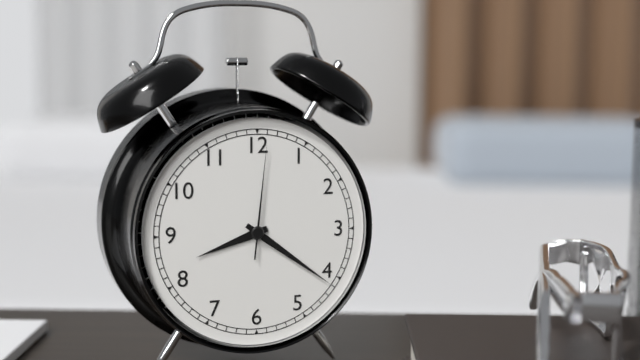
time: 8:21:01
